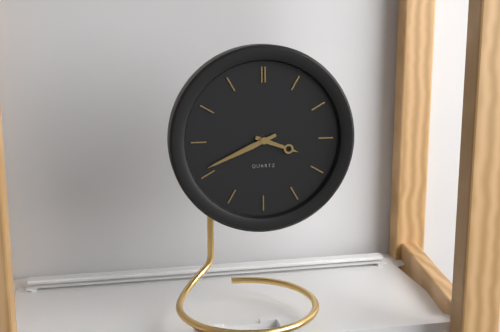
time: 3:41
